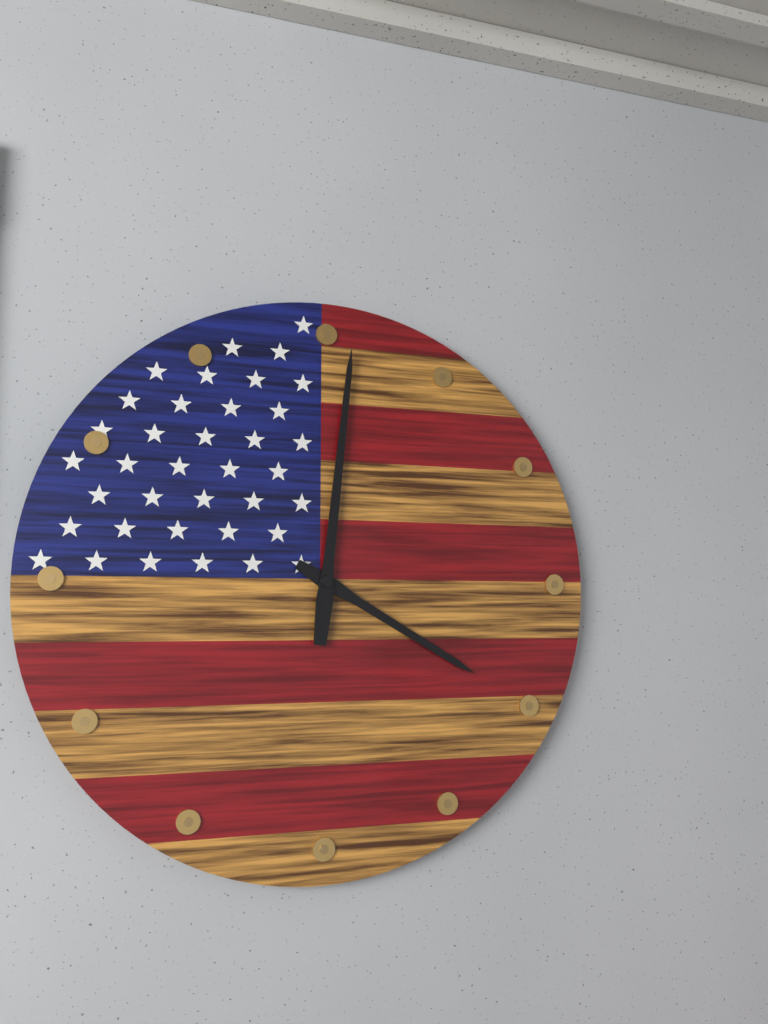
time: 4:01
